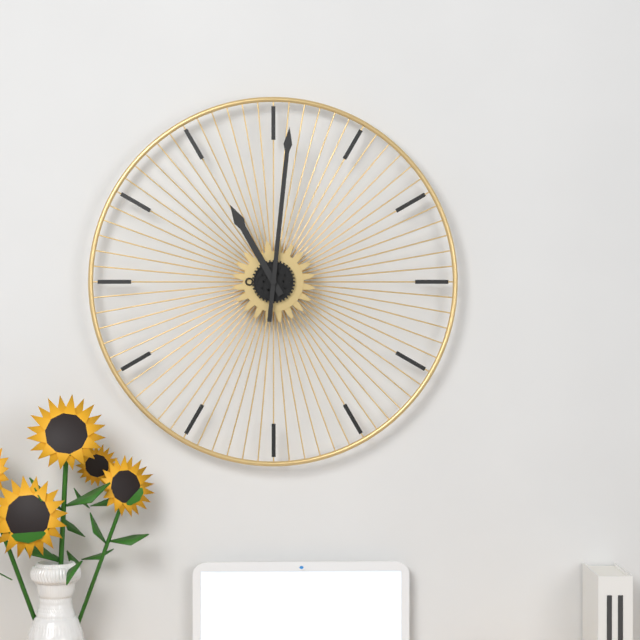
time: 11:01
